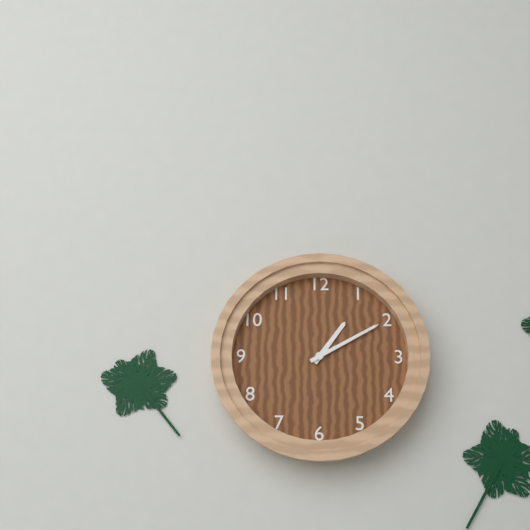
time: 1:10
